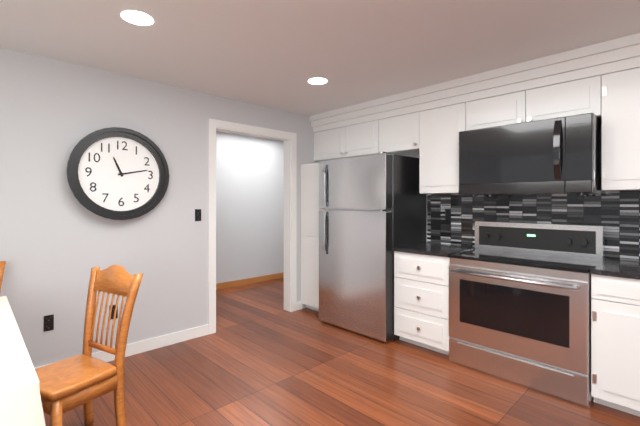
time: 11:13
